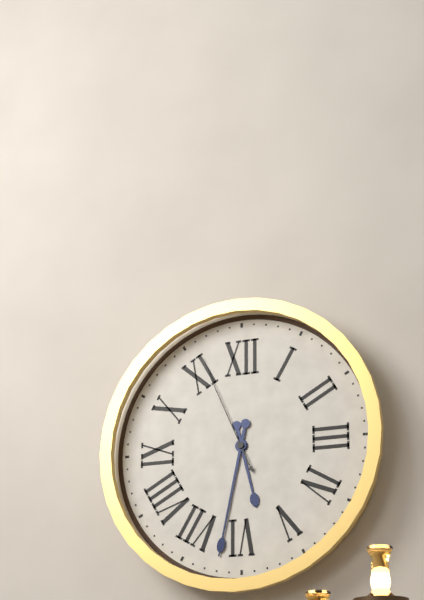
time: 5:32:56
